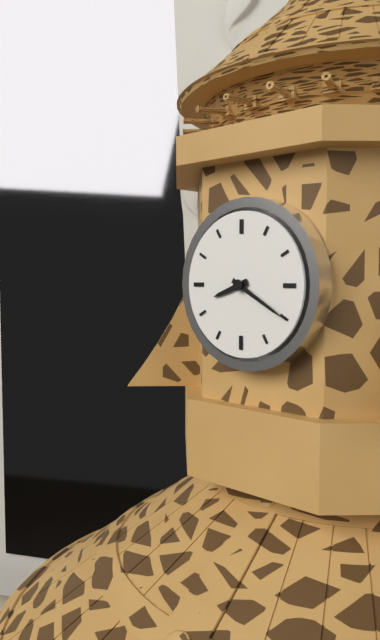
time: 8:20
